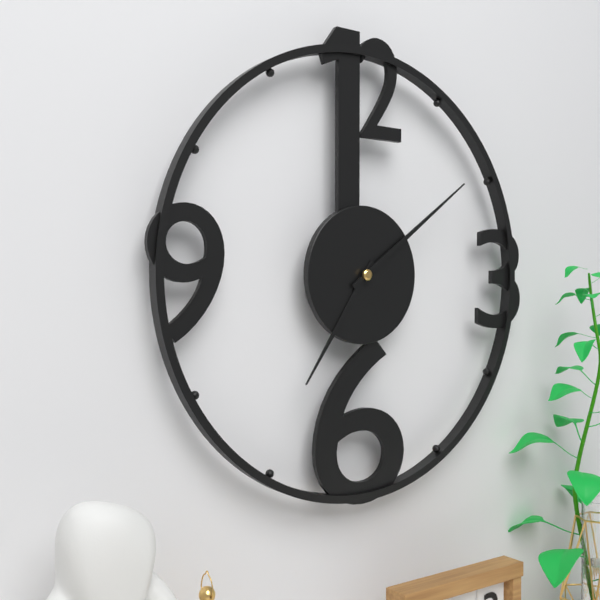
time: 7:09
